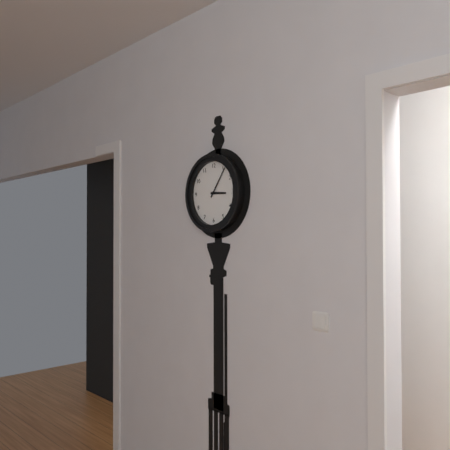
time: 3:06
